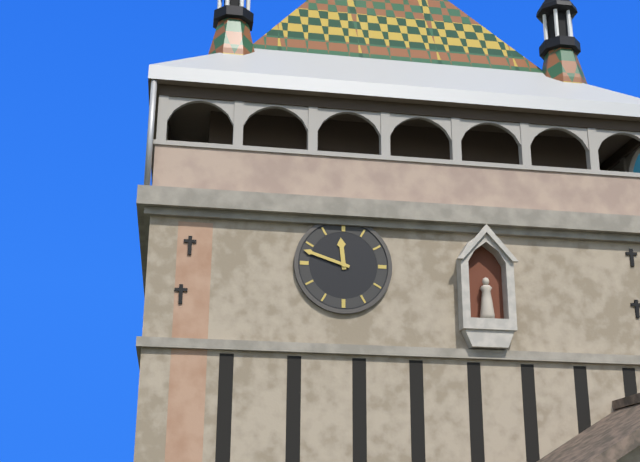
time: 11:48
